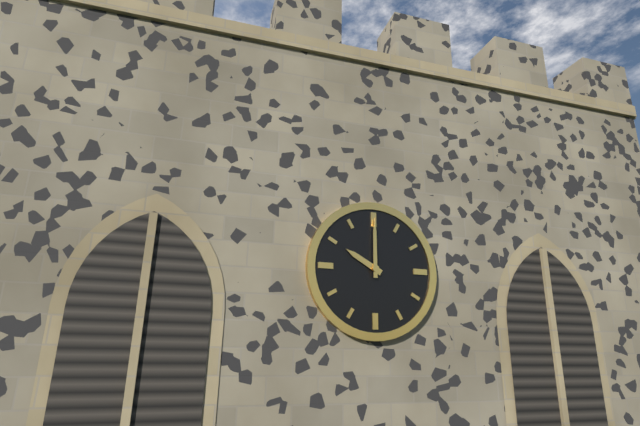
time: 10:00
